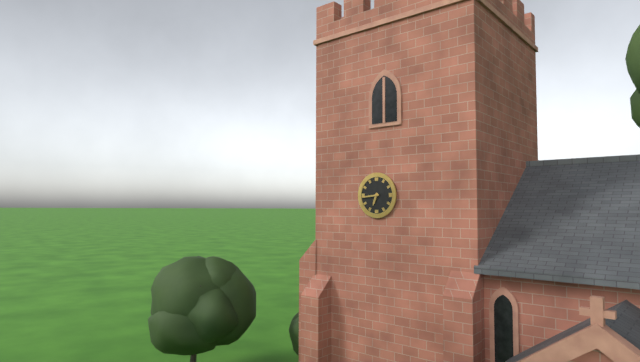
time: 6:44
